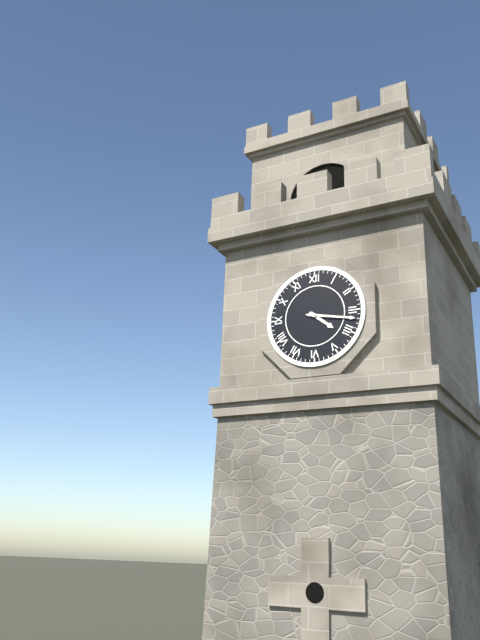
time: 4:17
